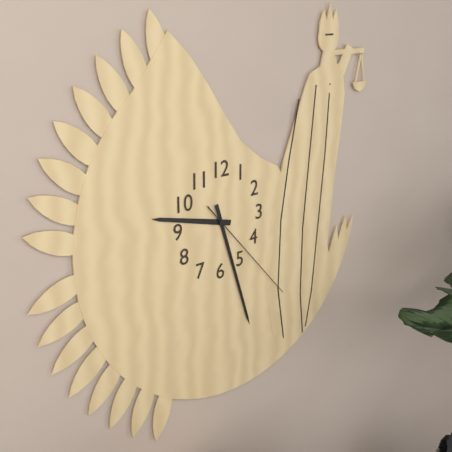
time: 9:27:23
